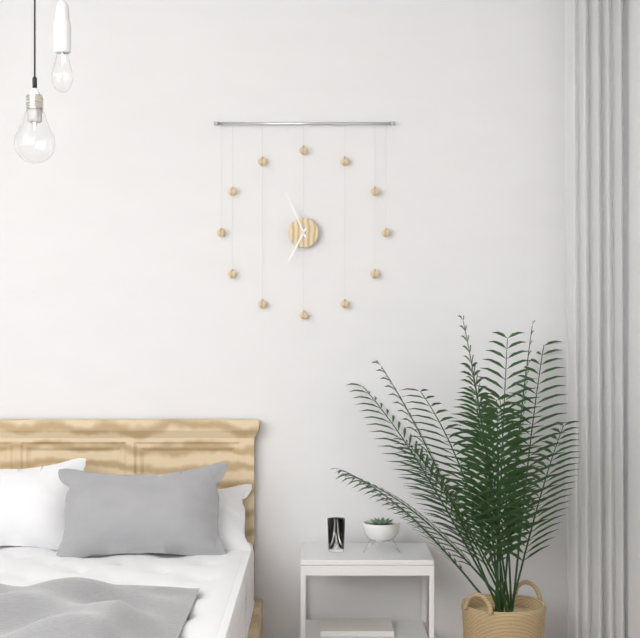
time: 6:56
